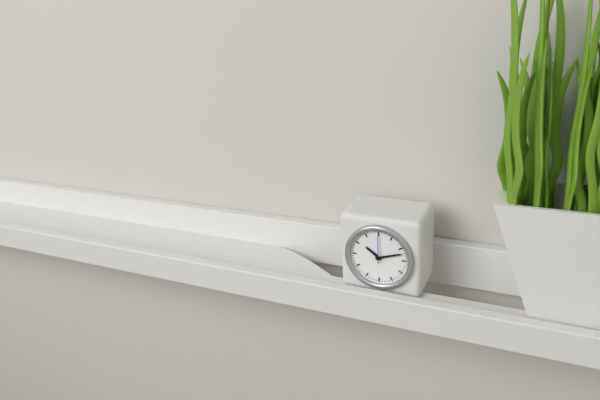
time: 10:12
